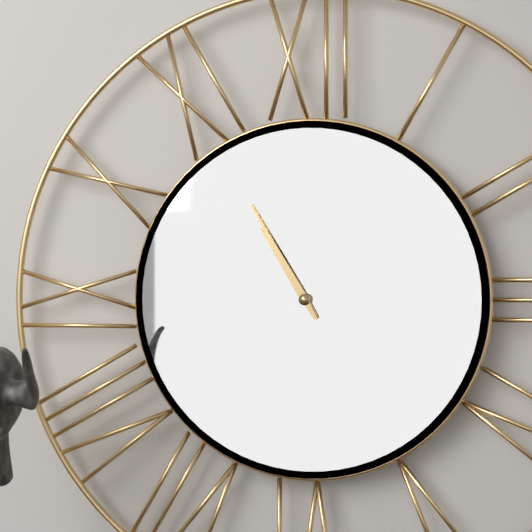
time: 10:55
